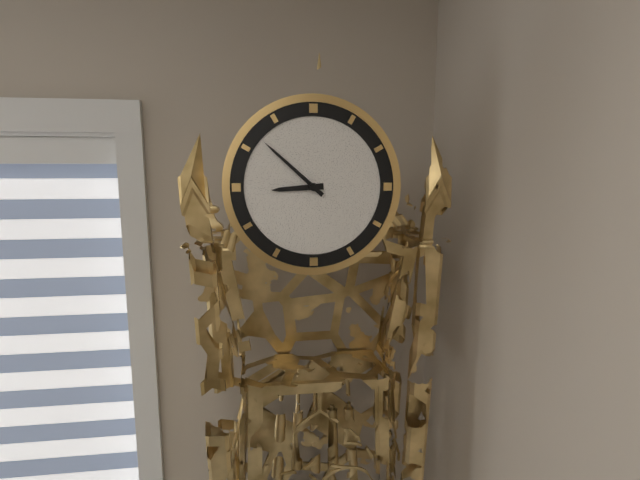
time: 8:52
